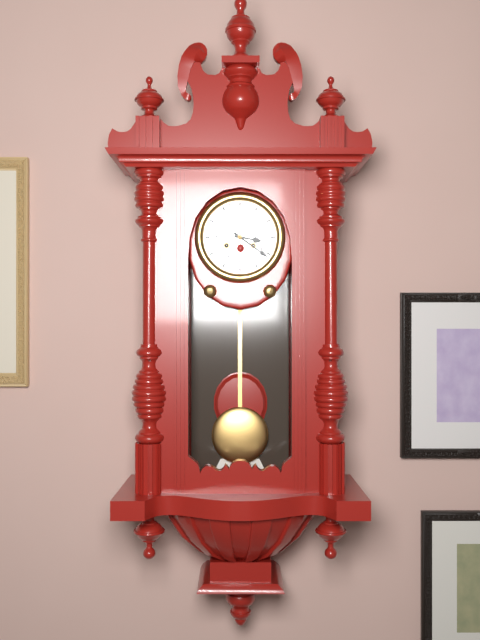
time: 3:21
